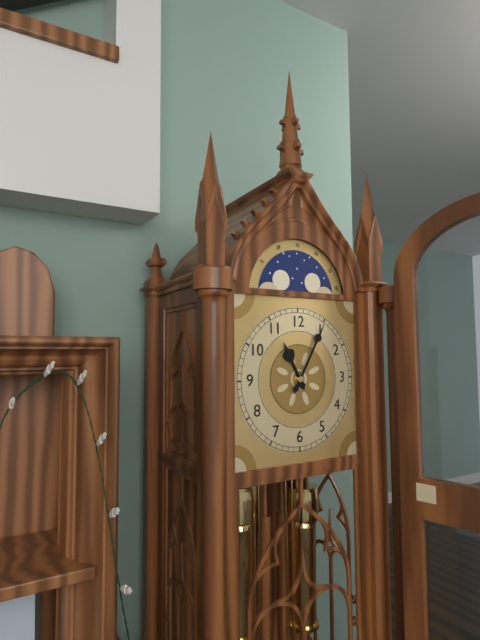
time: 11:05
